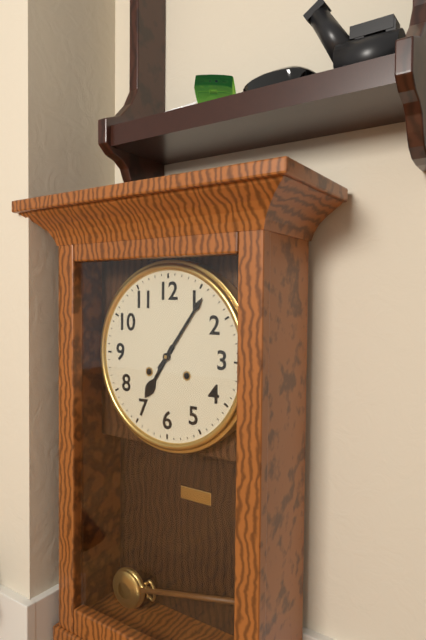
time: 7:06
